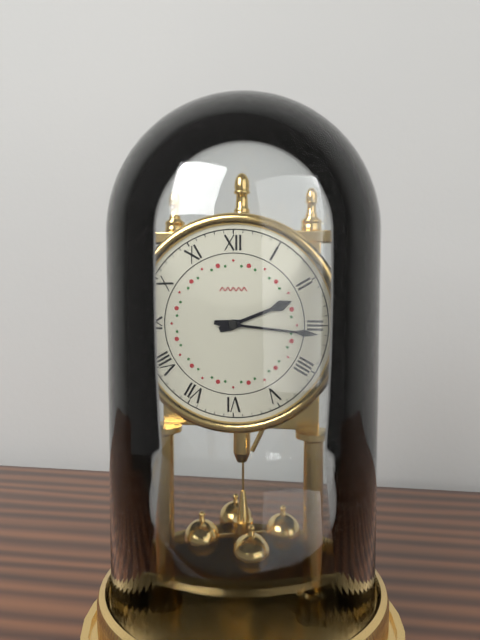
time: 2:16
